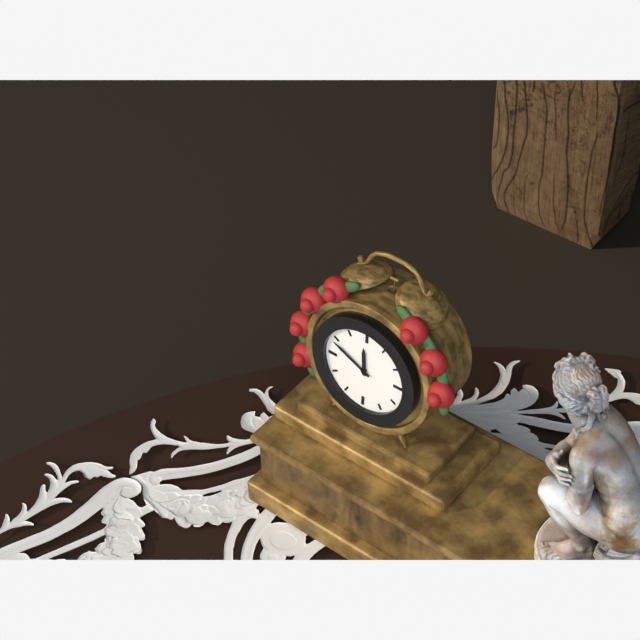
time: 11:49
